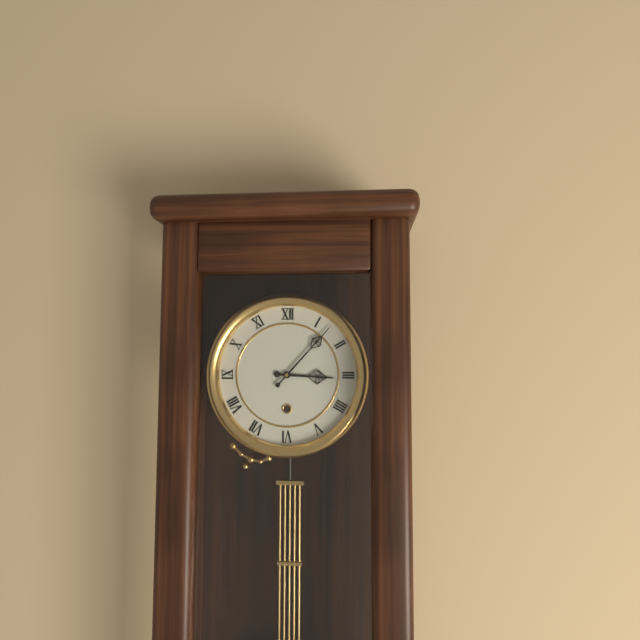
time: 3:07
